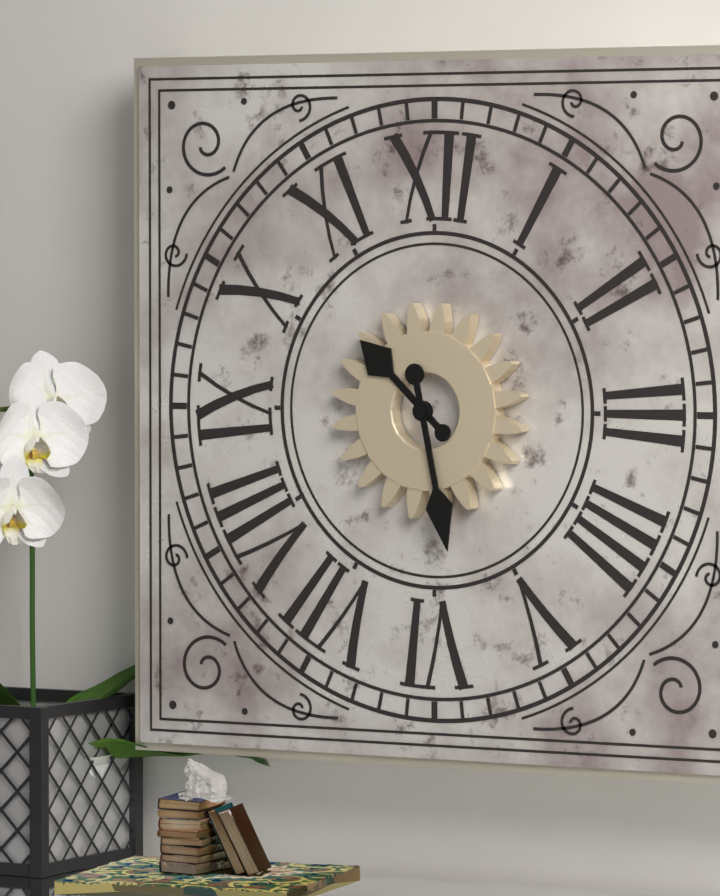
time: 10:28
